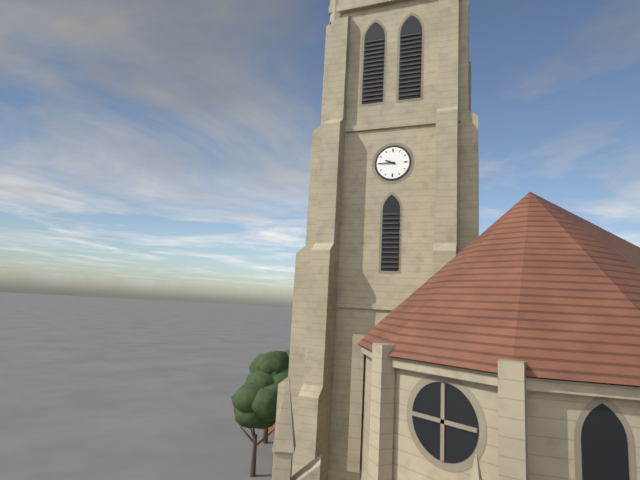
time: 9:45
